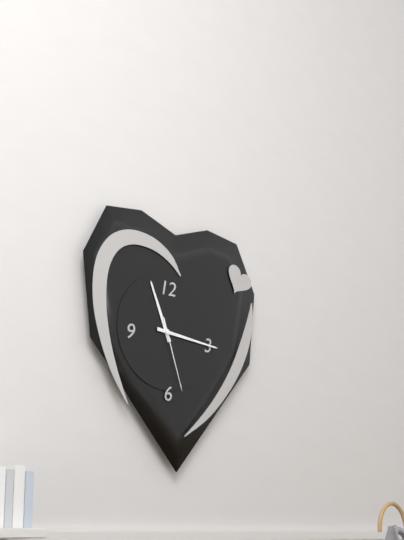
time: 11:16:27
